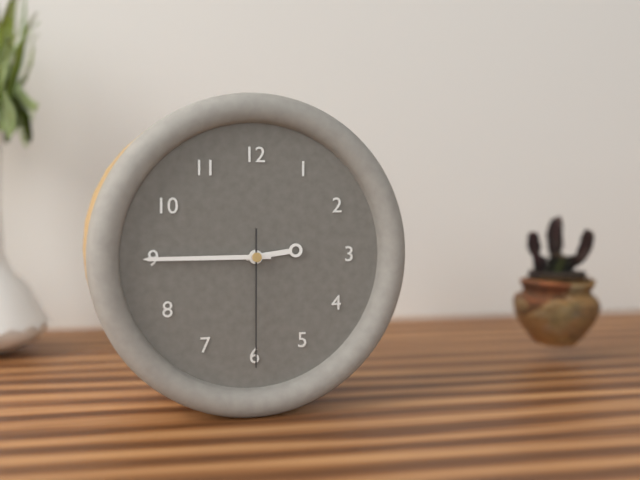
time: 2:45:30
